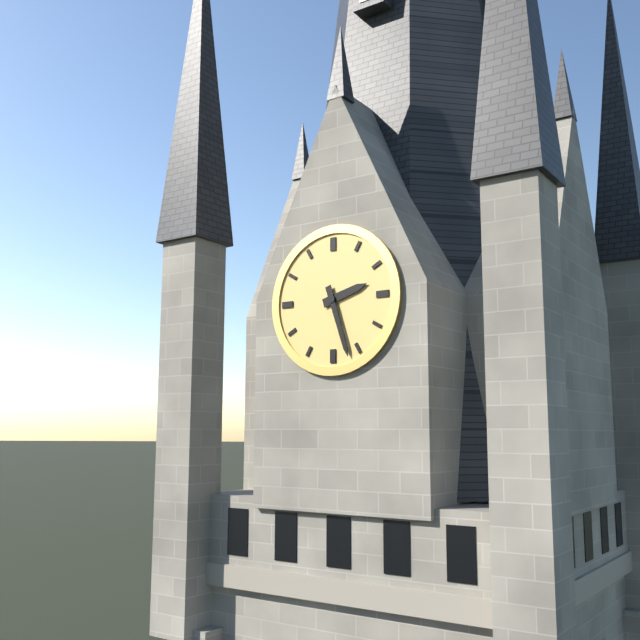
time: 2:27
